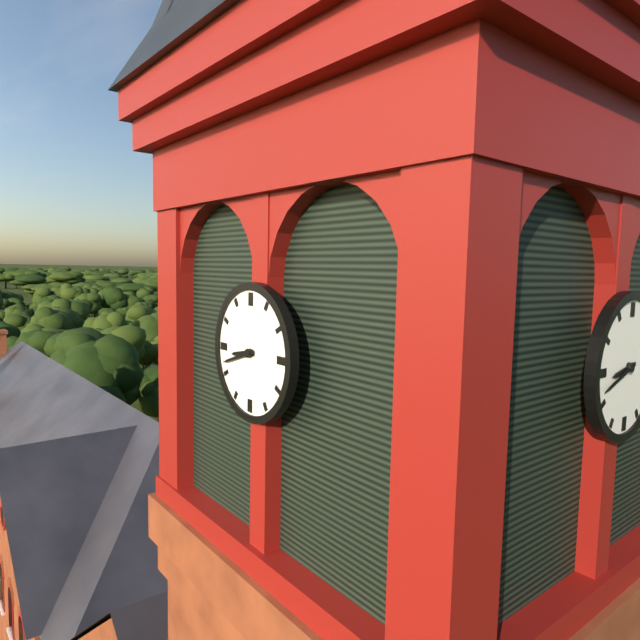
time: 8:42
